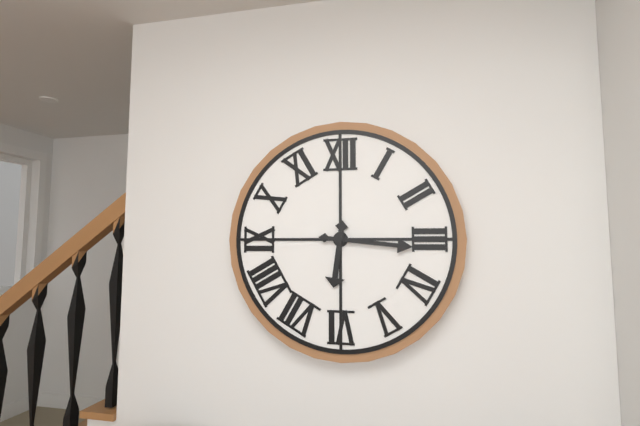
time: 6:16
